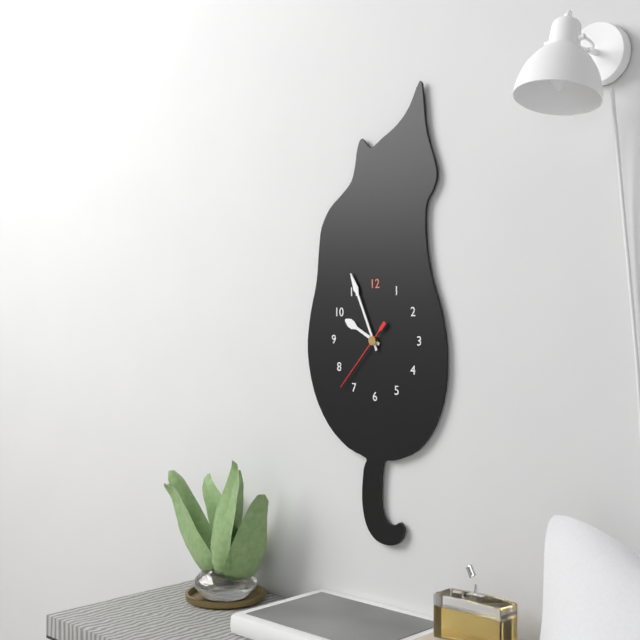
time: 9:56:37
